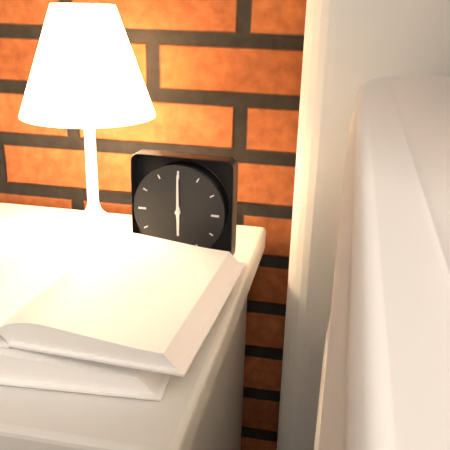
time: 6:00
